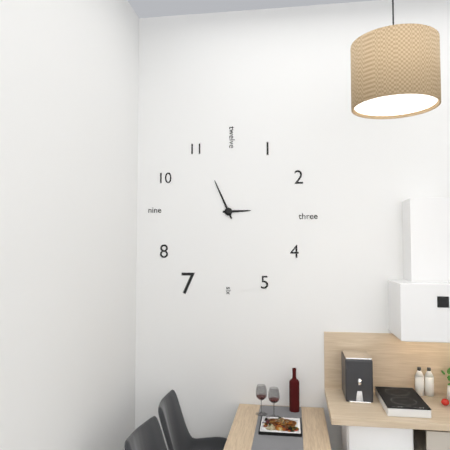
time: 2:56
